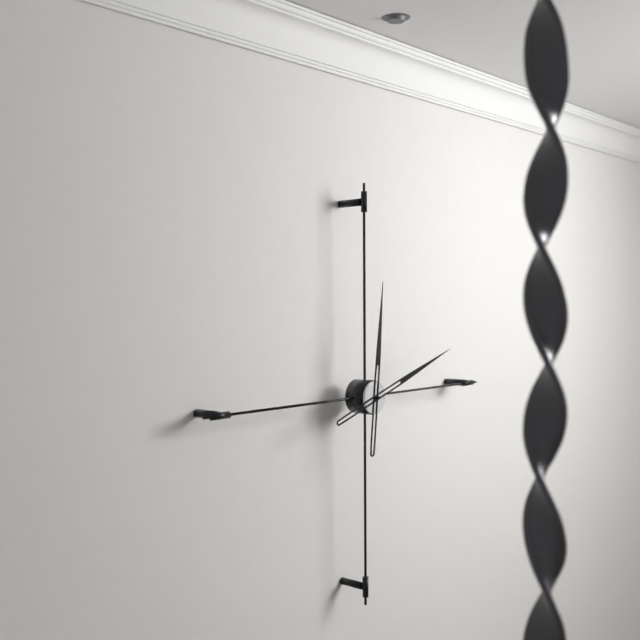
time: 12:12
